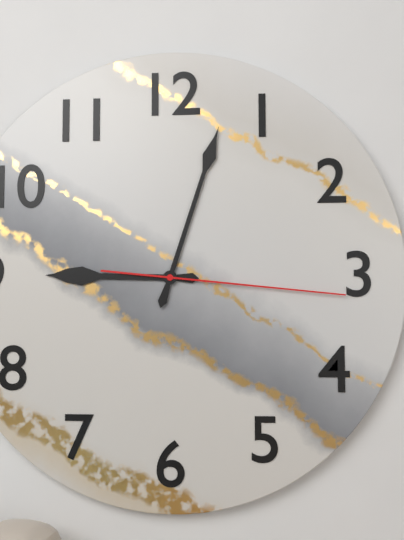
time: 9:03:16
